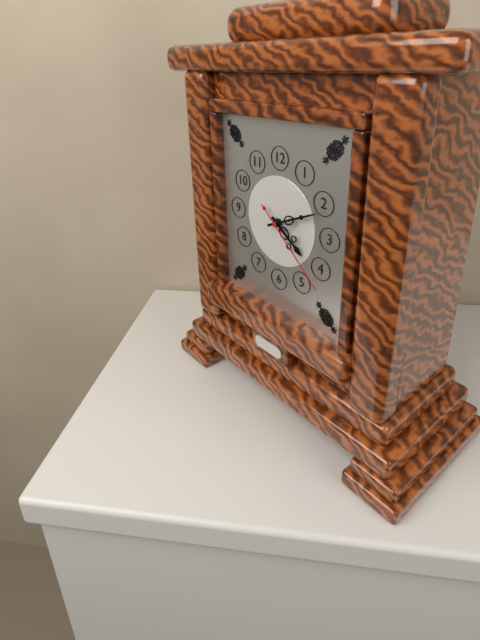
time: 4:11:22
